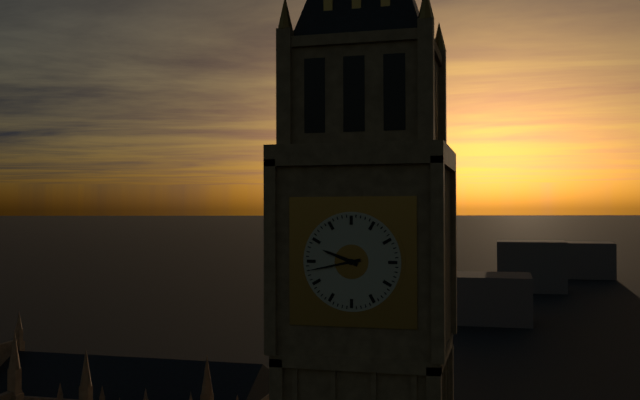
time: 9:43
